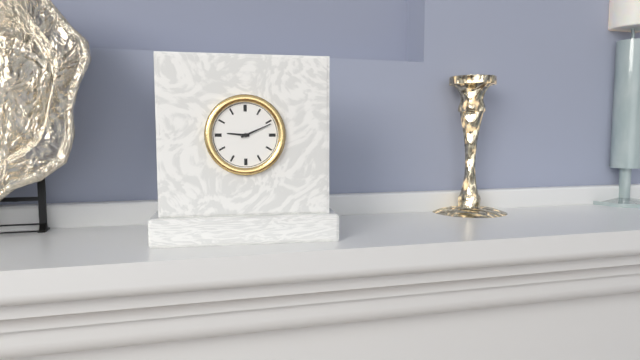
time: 9:11
